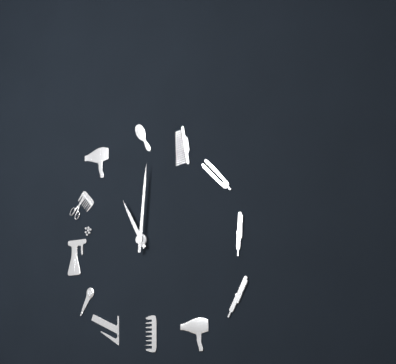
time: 11:01
